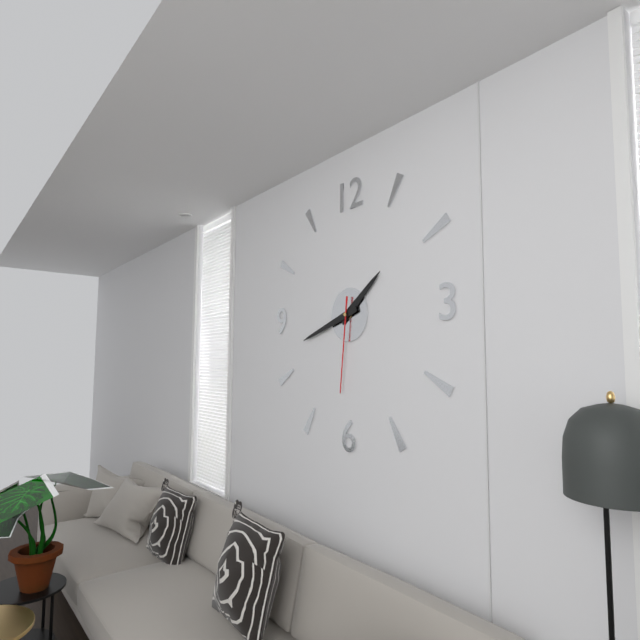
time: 1:42:31
